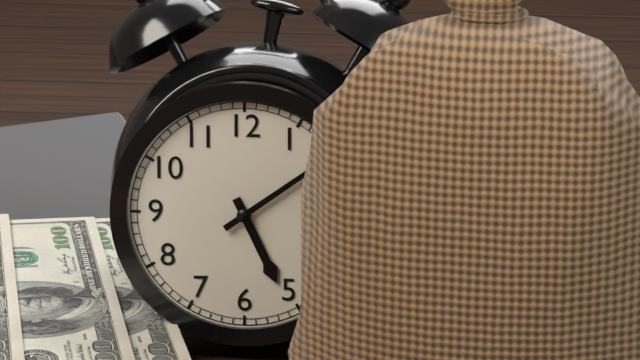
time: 5:09
